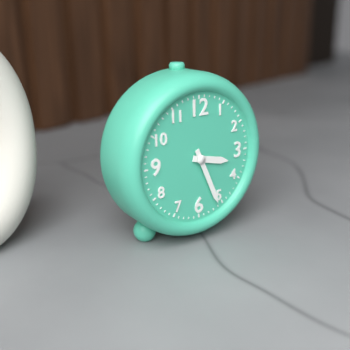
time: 3:26
